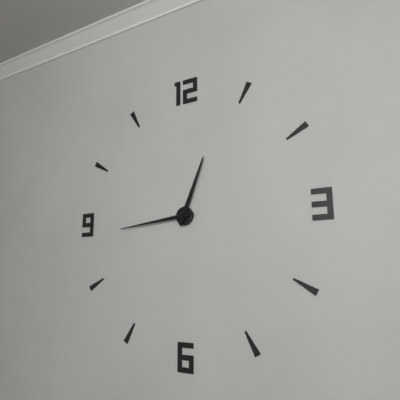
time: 12:44
